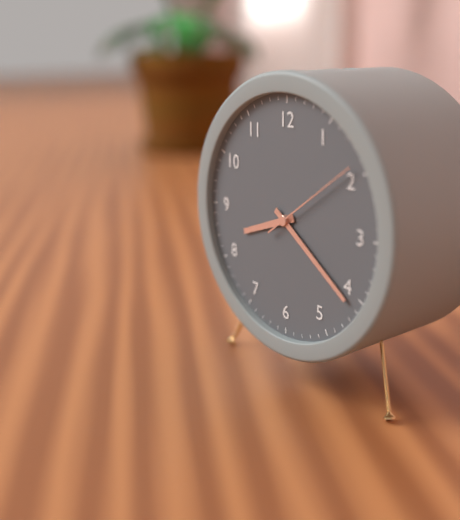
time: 8:21:09
